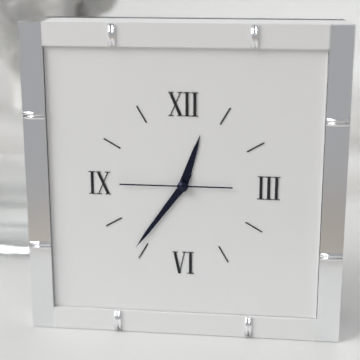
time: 12:36:45
